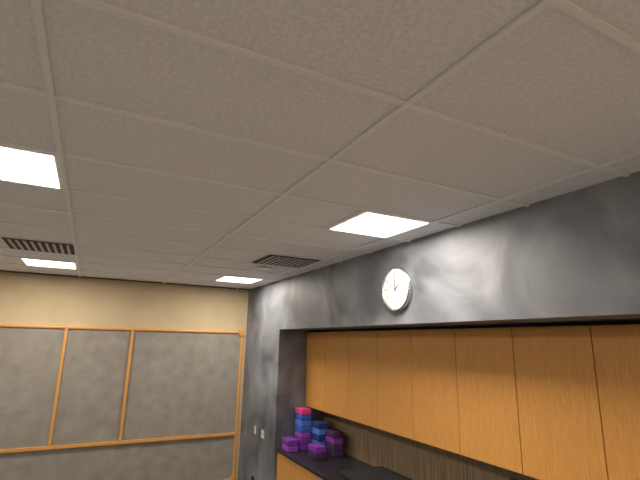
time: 1:59
